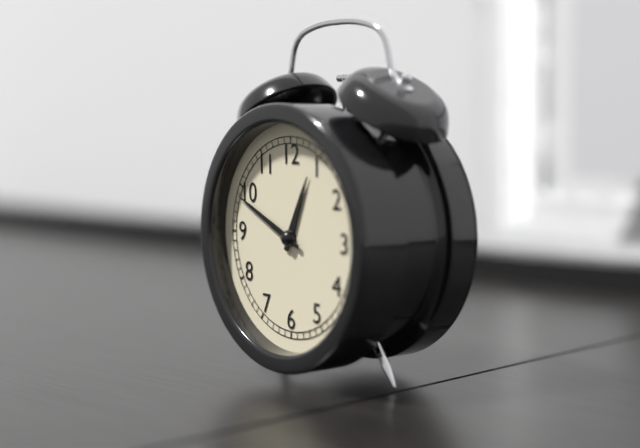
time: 12:49
